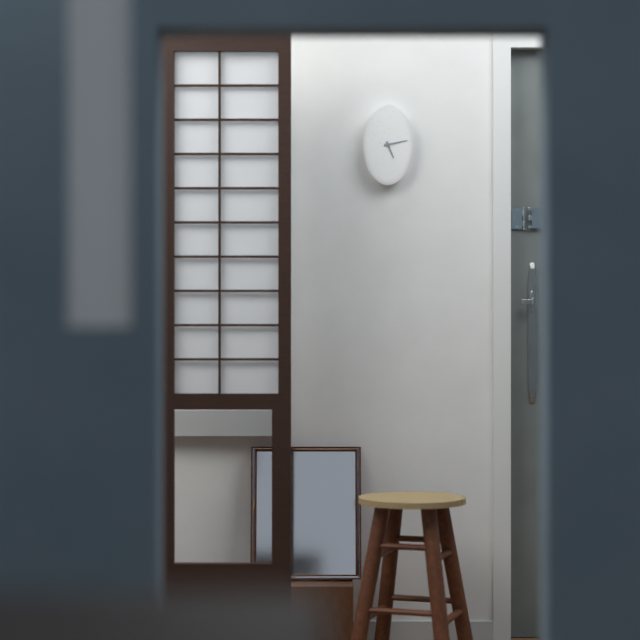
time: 5:13
